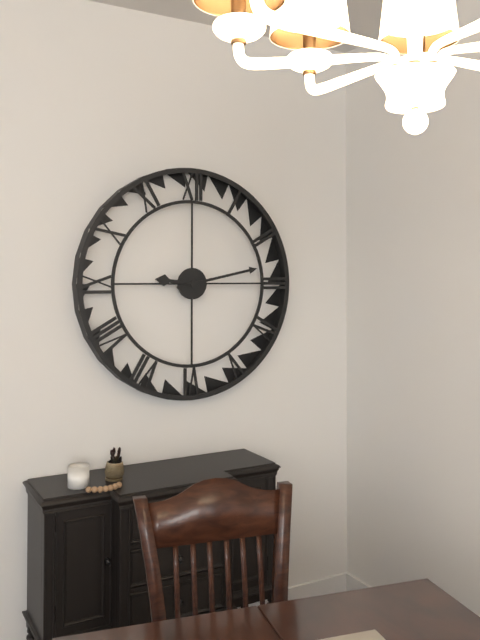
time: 9:13
